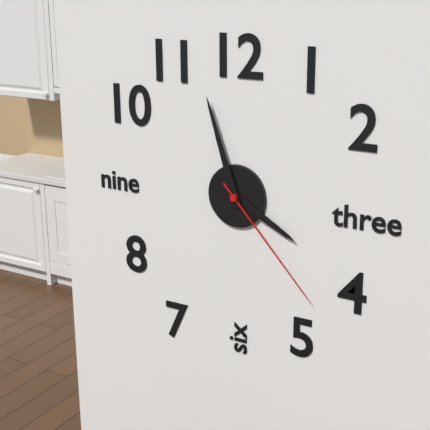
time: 3:57:23
